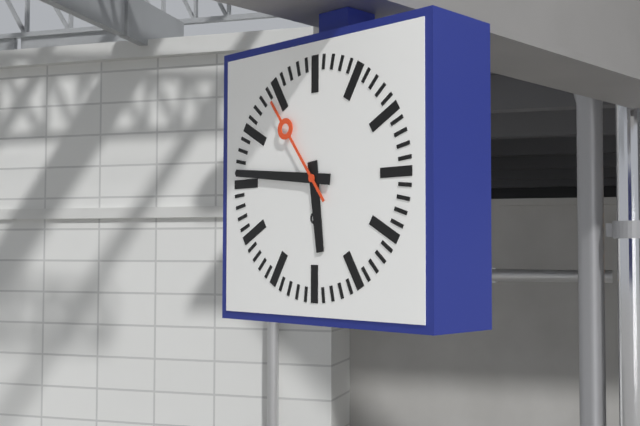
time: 5:46:54
